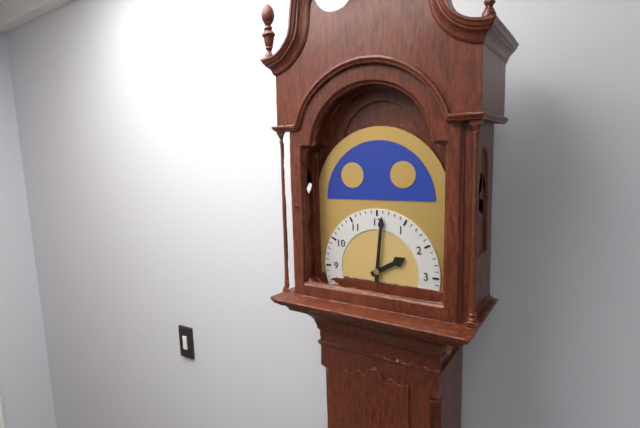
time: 2:01
